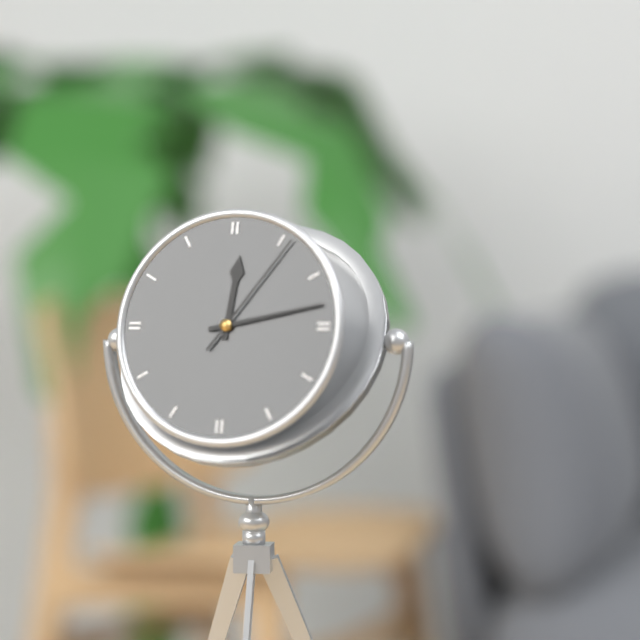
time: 12:13:06
